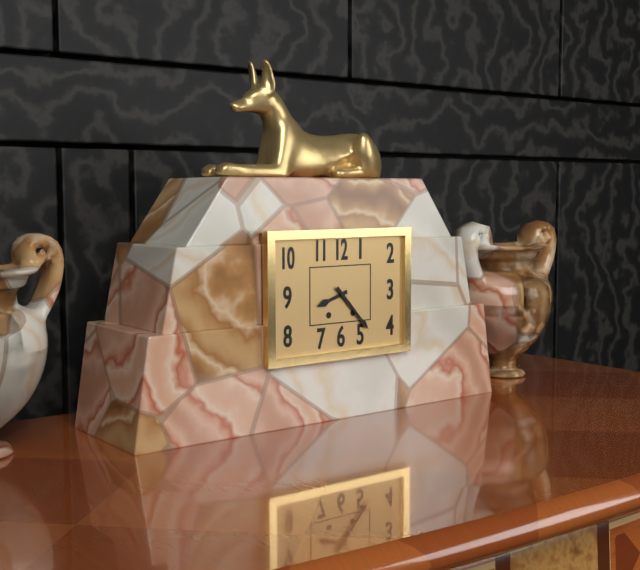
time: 8:23
